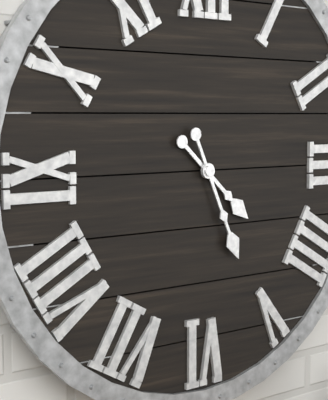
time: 4:26
